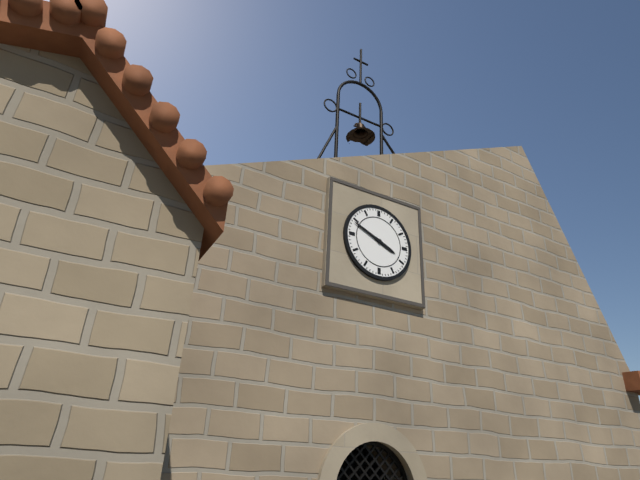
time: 3:49
